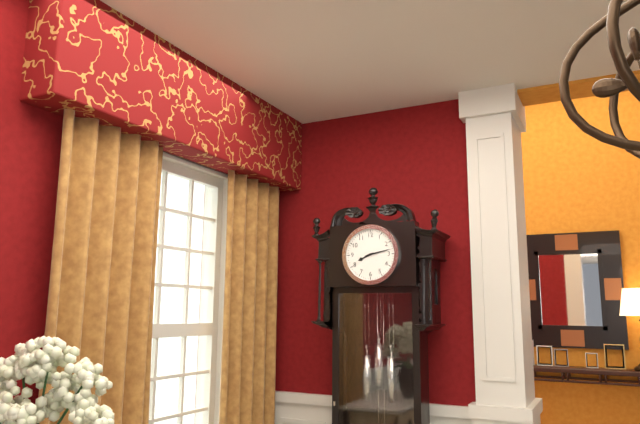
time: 8:13
